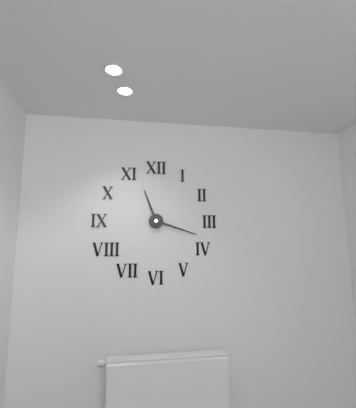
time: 11:18
